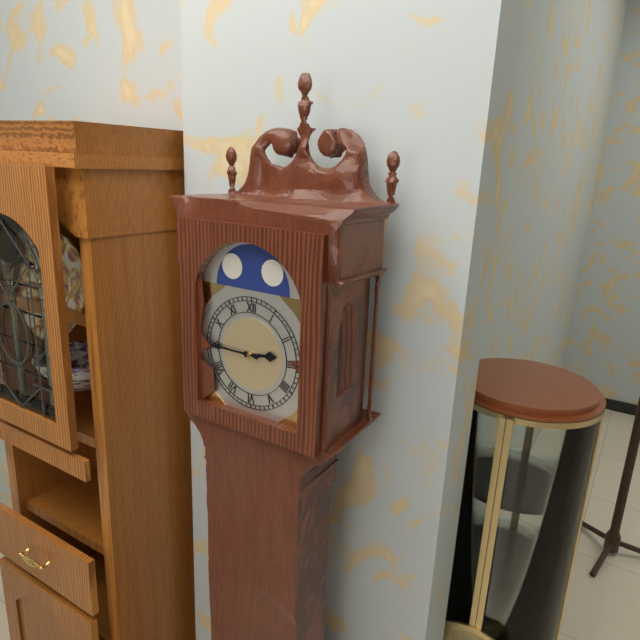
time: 2:45
